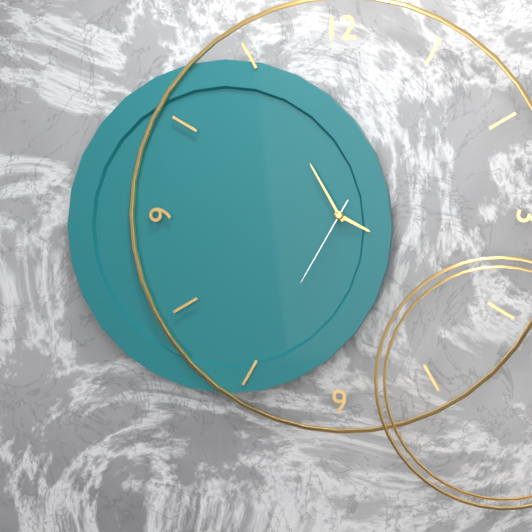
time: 3:55:35
